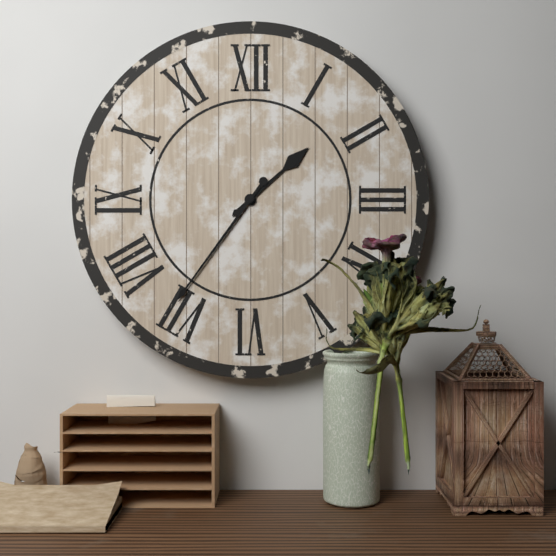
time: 1:36
